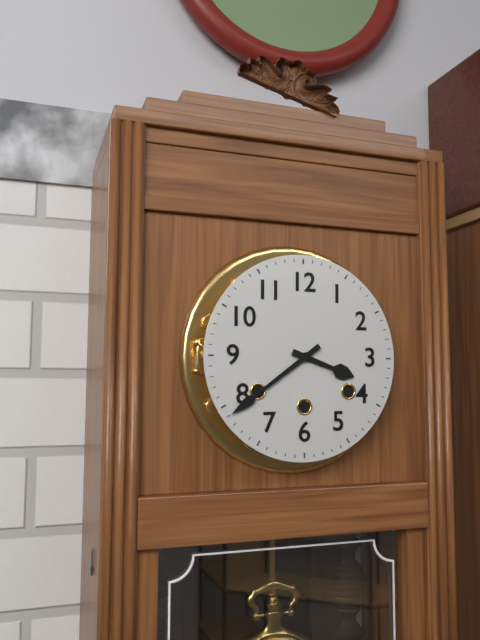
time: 3:39
